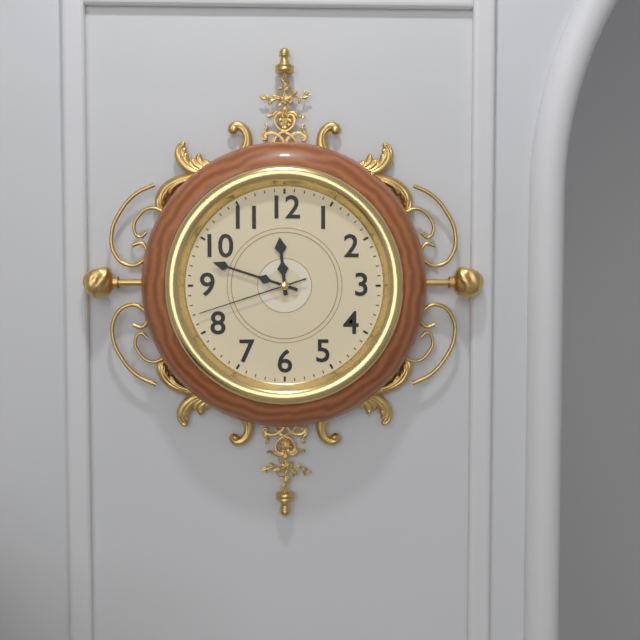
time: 11:48:42
